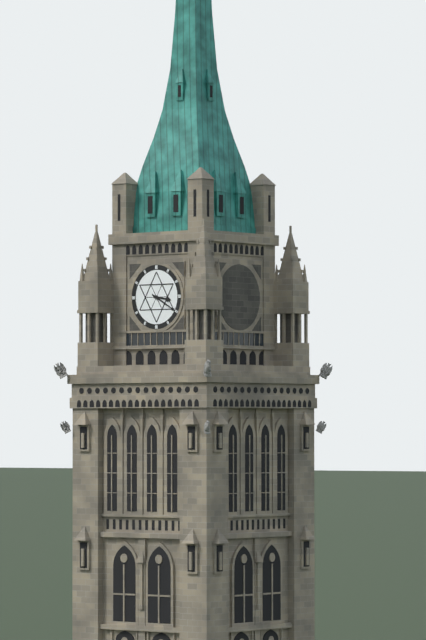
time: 3:20
